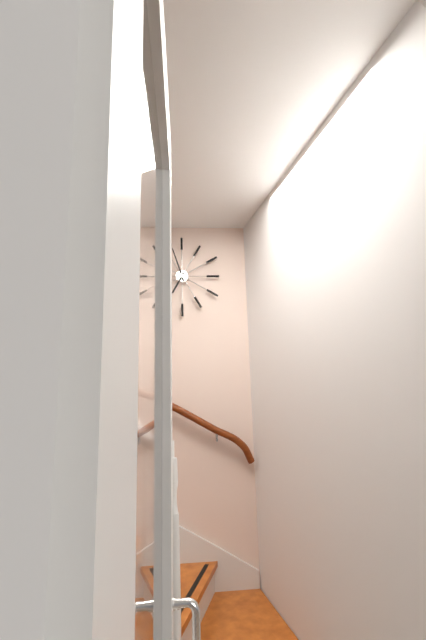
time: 6:57
